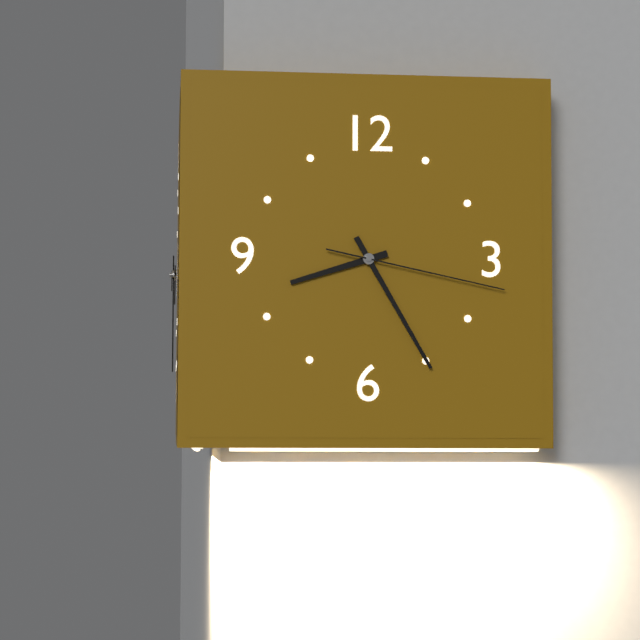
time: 8:25:17
